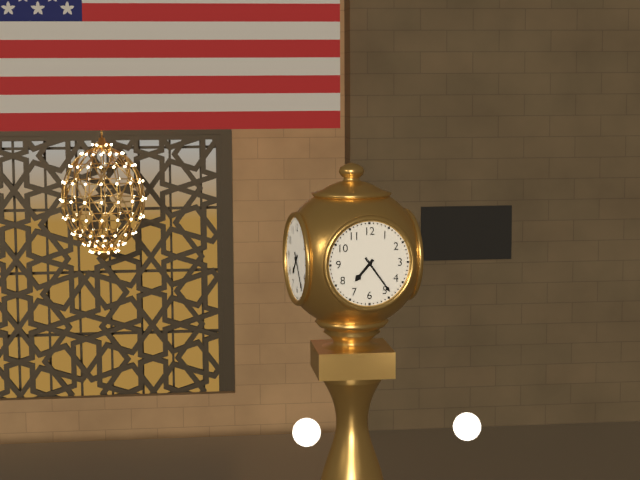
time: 7:24
